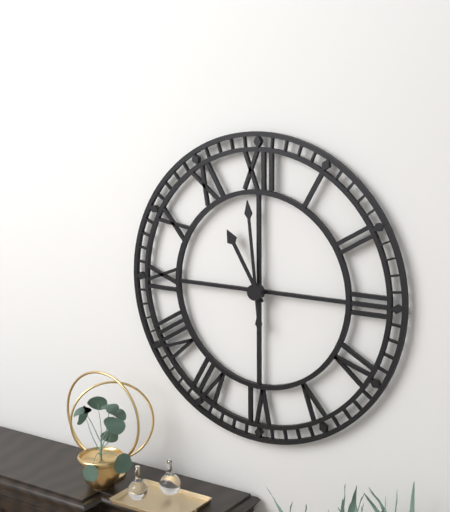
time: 10:59
